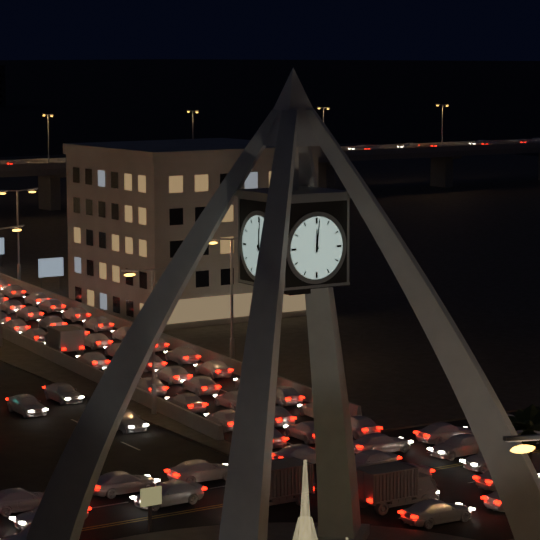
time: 12:01
